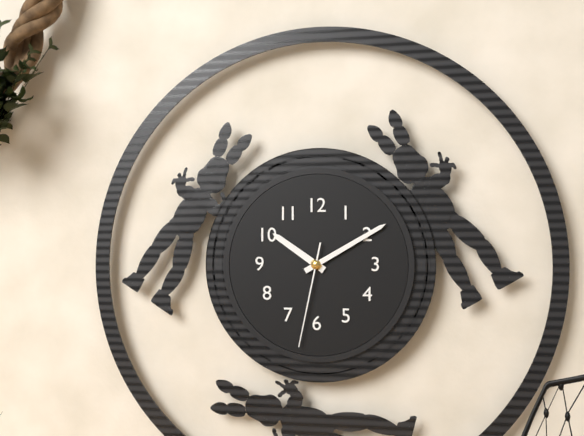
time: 10:10:32
